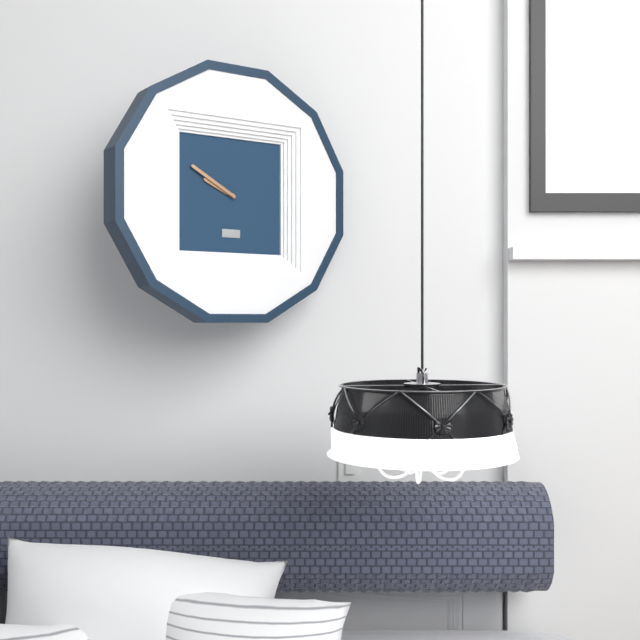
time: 9:50
